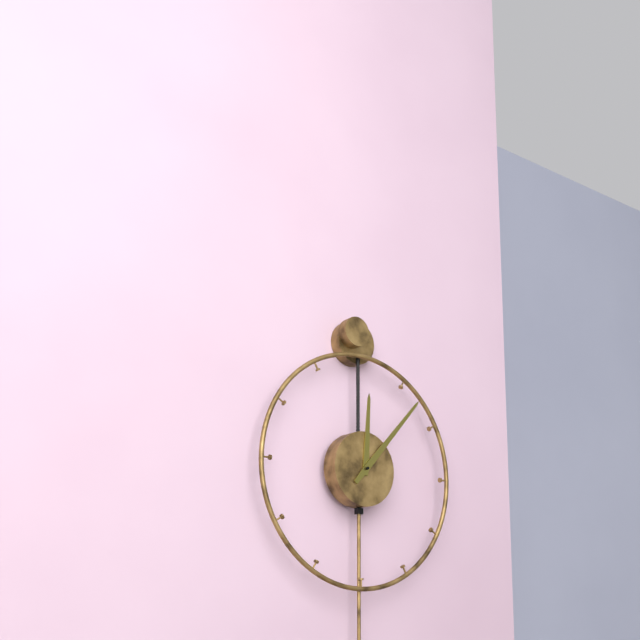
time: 12:07
